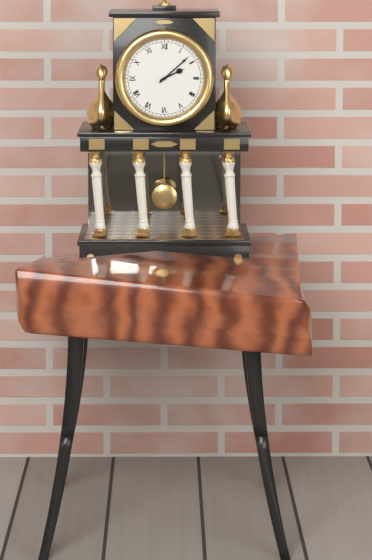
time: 2:08
